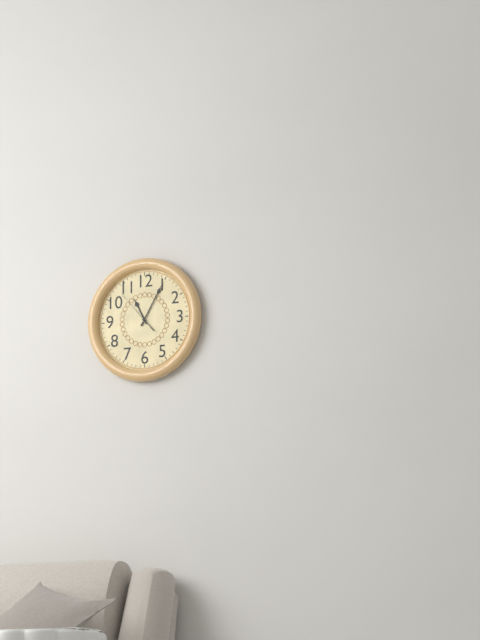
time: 11:05
